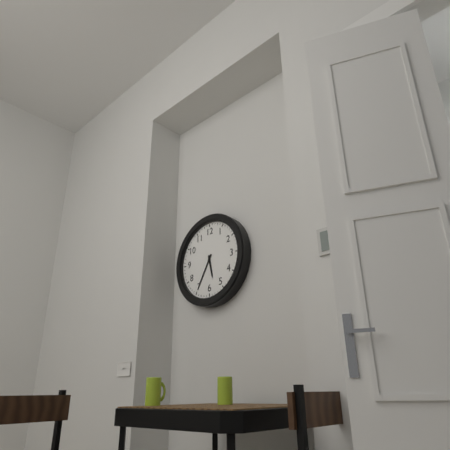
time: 5:35
